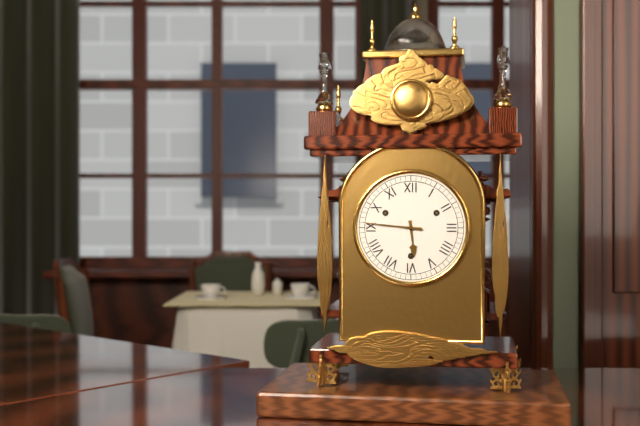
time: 5:46
